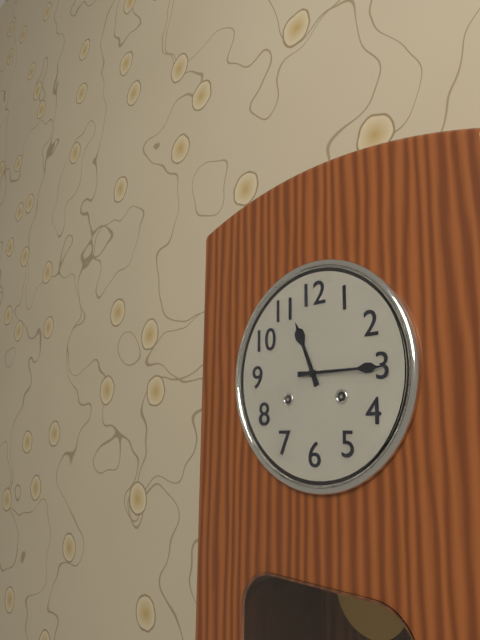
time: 11:15
